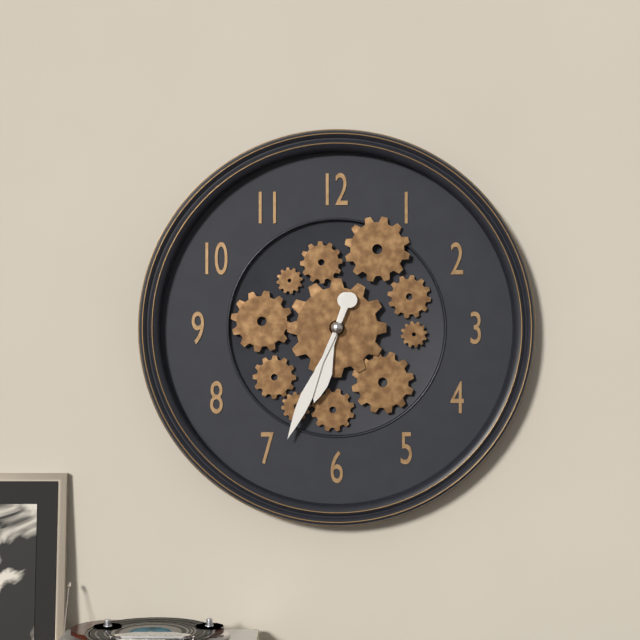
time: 6:34
